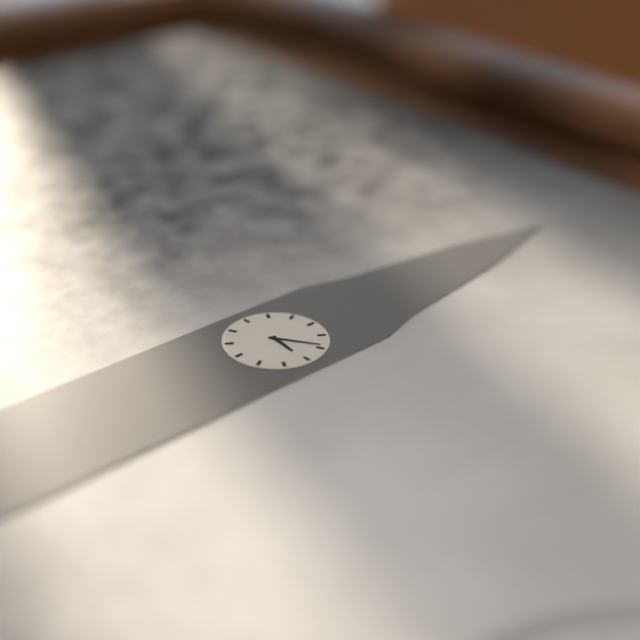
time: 3:09
